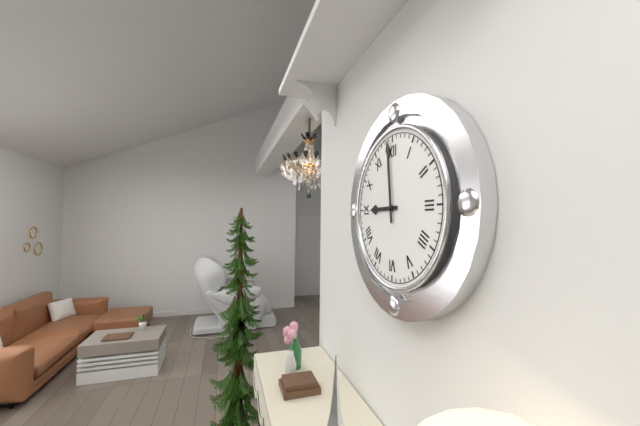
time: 8:59
